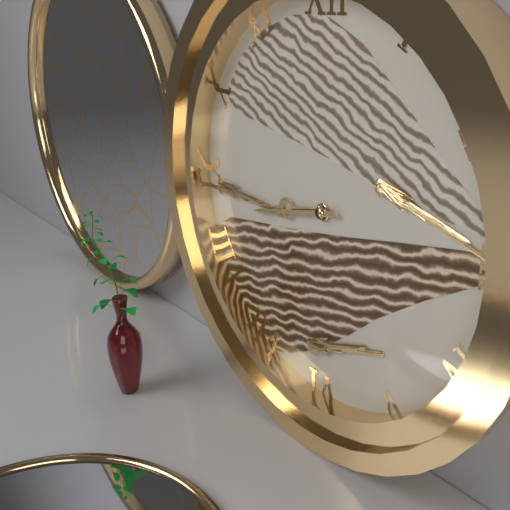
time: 8:43
